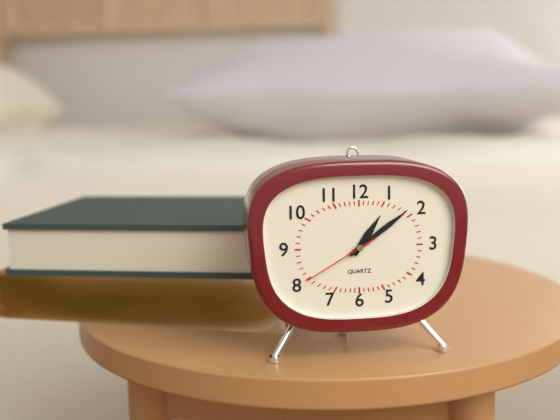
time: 1:09:40
